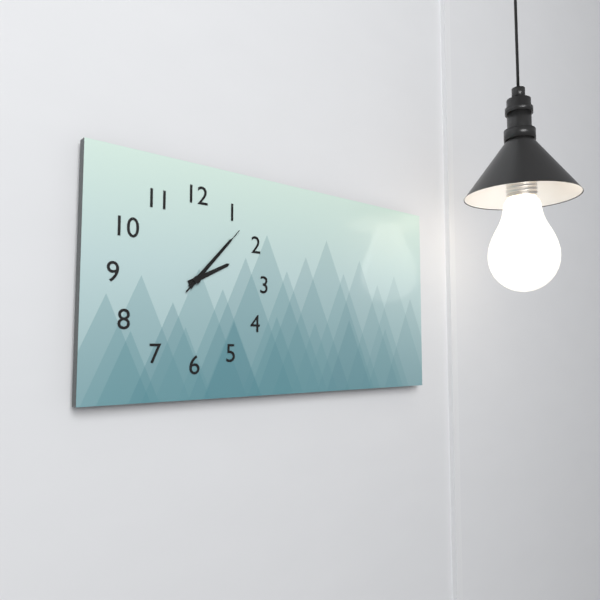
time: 2:07:07
